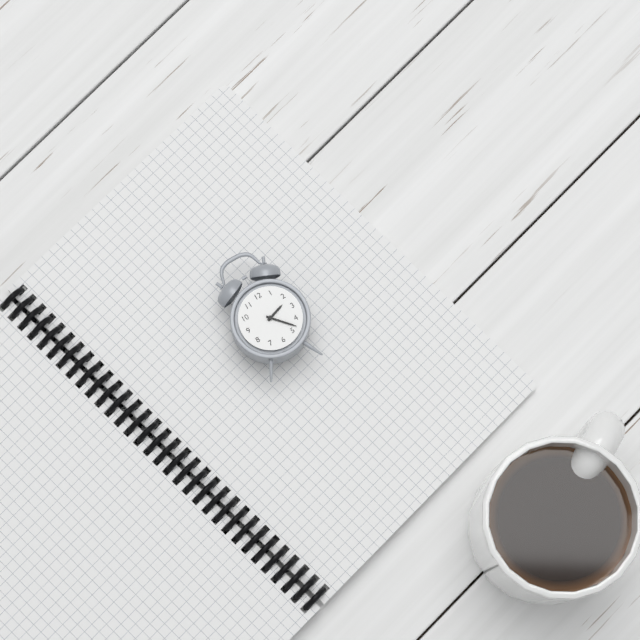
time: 2:23
